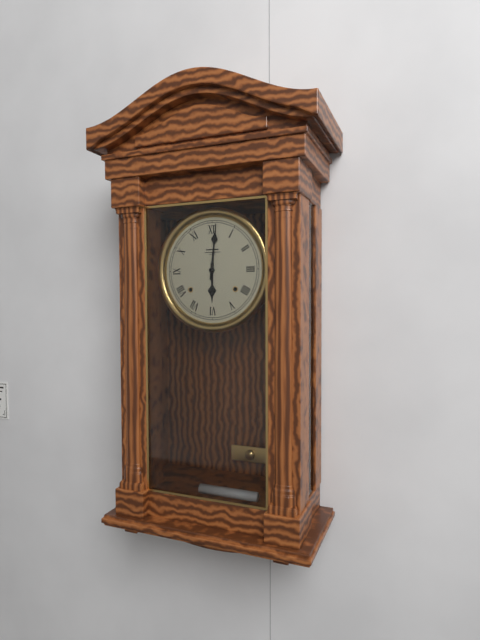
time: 6:01
